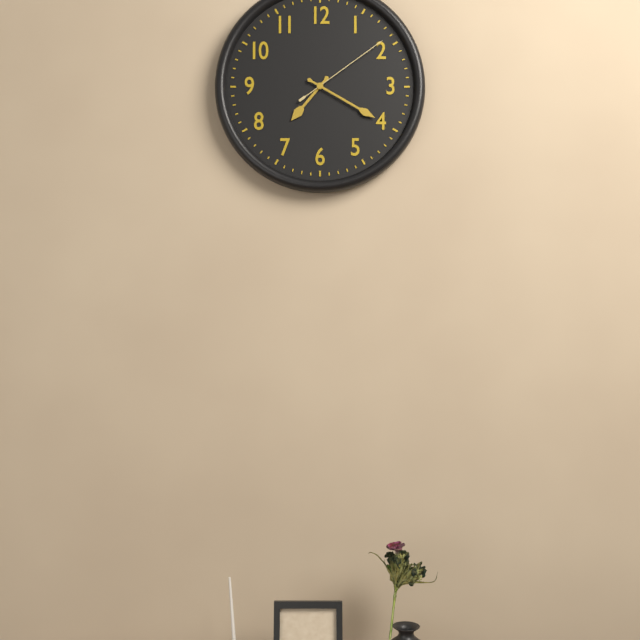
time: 7:20:09
